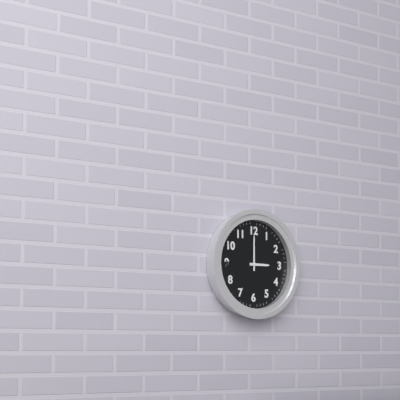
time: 3:00
